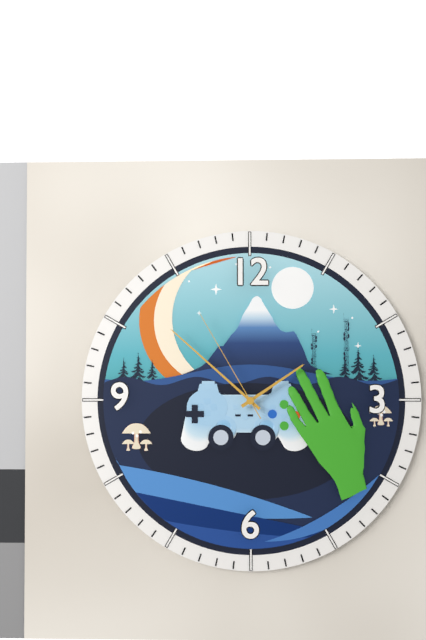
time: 1:52:55
